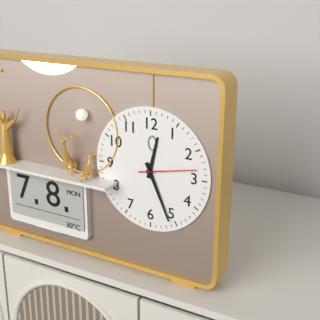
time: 12:26:13
